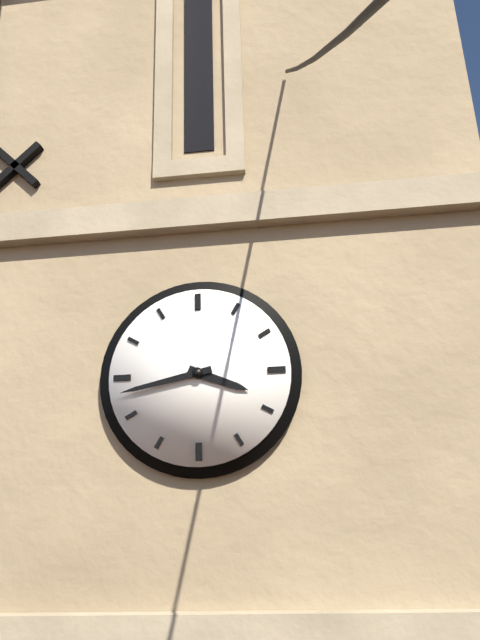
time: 3:43
